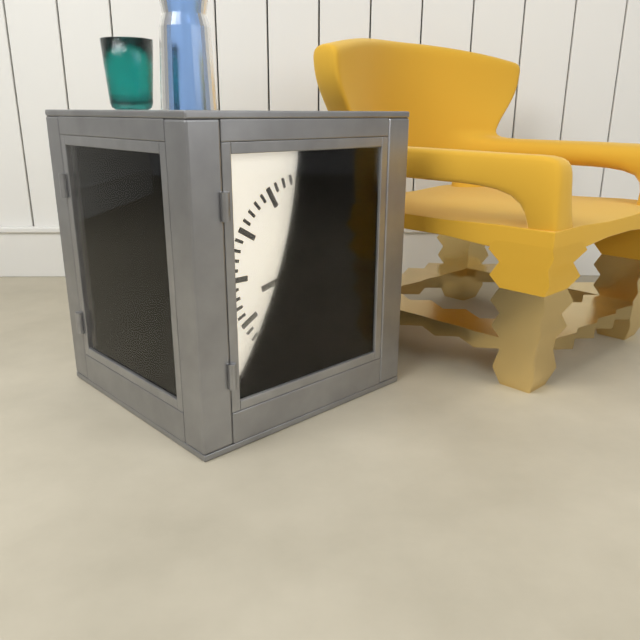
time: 8:33
